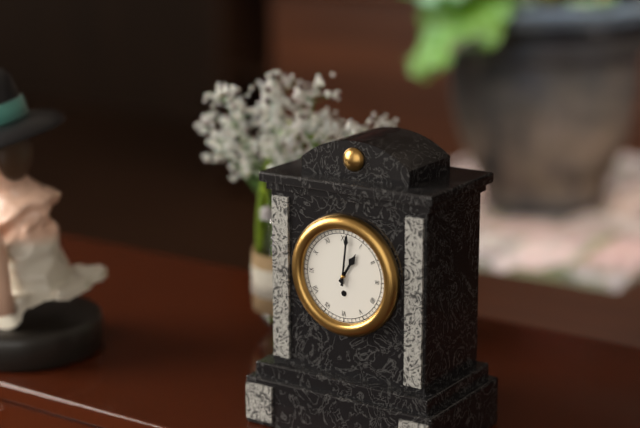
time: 1:01
